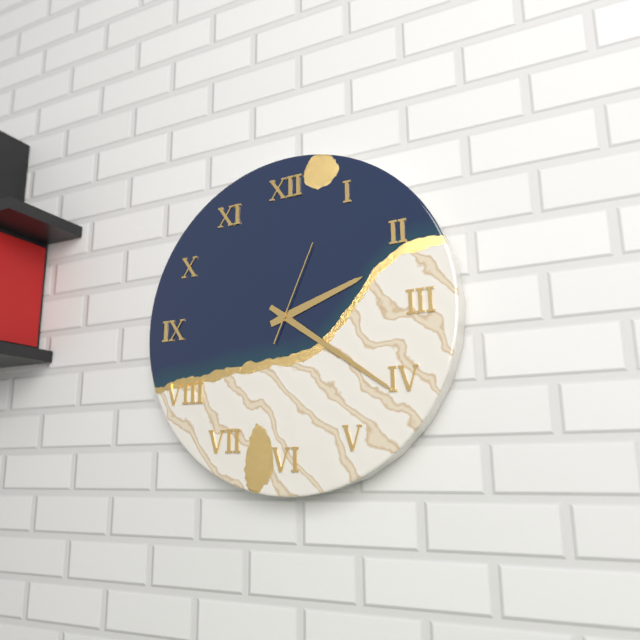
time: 2:21:04
